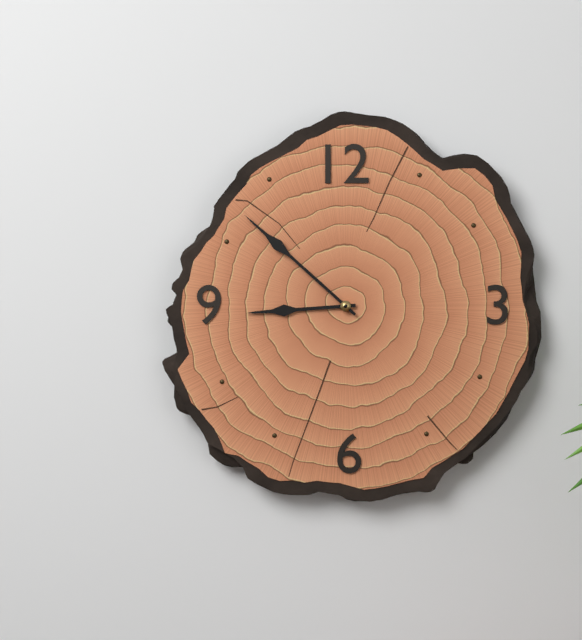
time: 8:52
